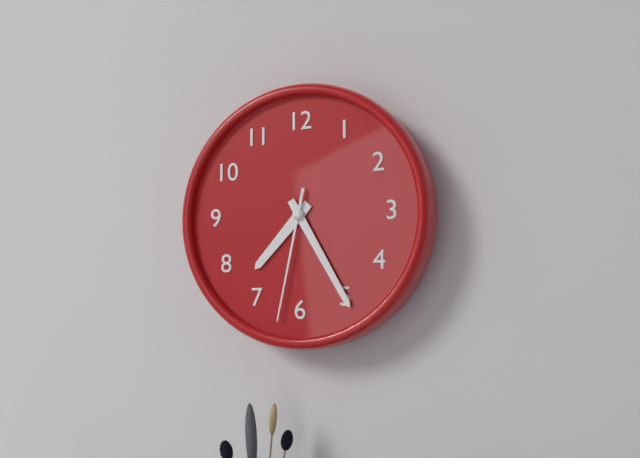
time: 7:25:32
